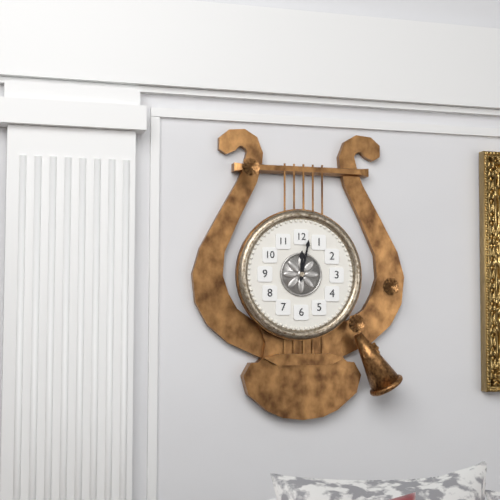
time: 12:02
